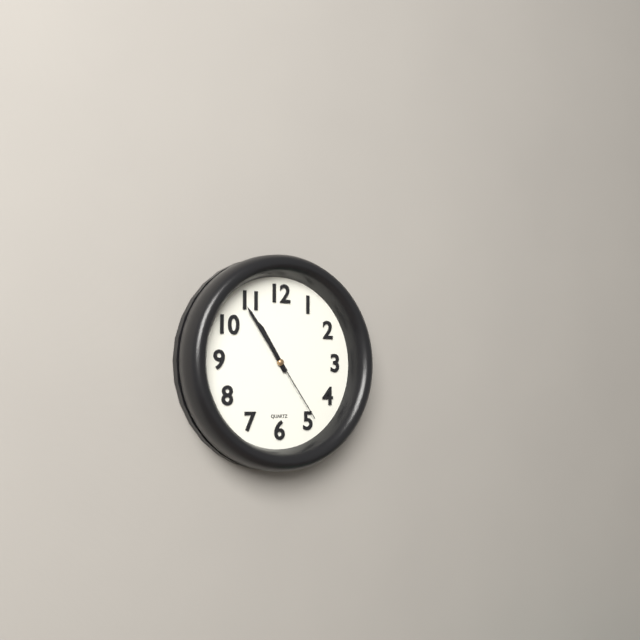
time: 10:54:24
